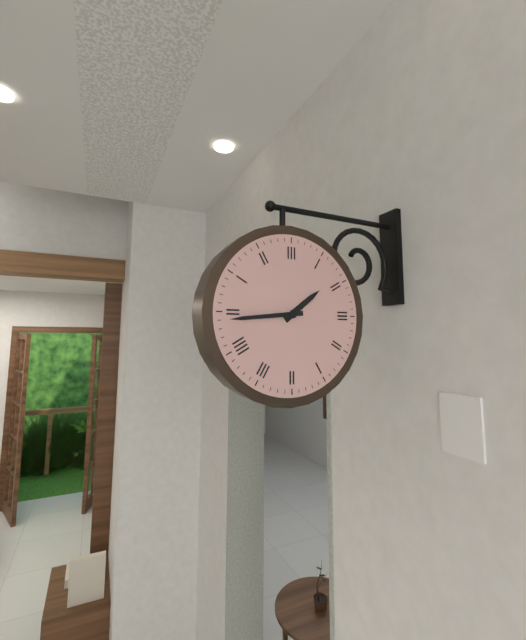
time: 1:44
